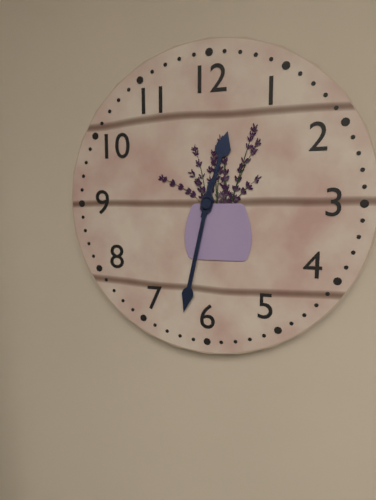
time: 12:32
